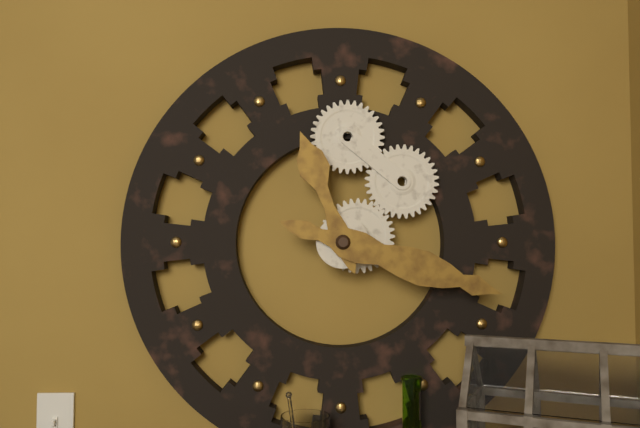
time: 11:18
